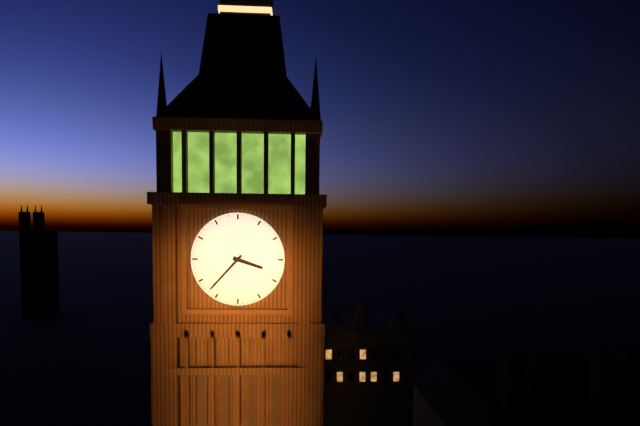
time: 3:37
